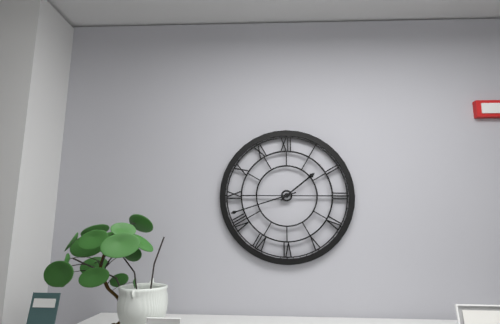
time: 1:42
